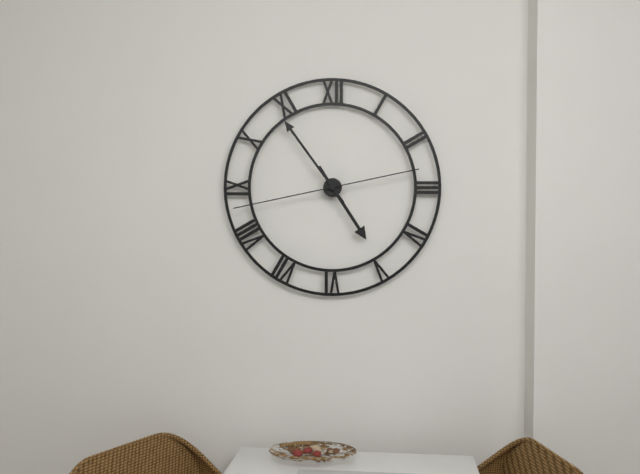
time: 4:54:43
